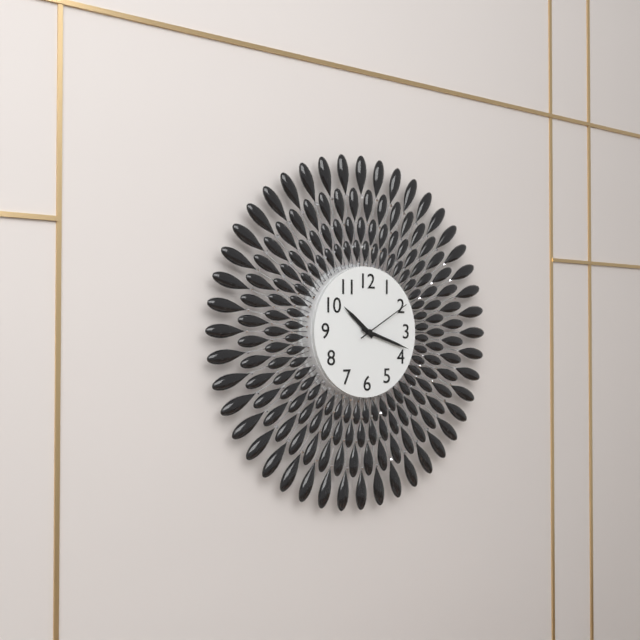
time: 10:18:10
